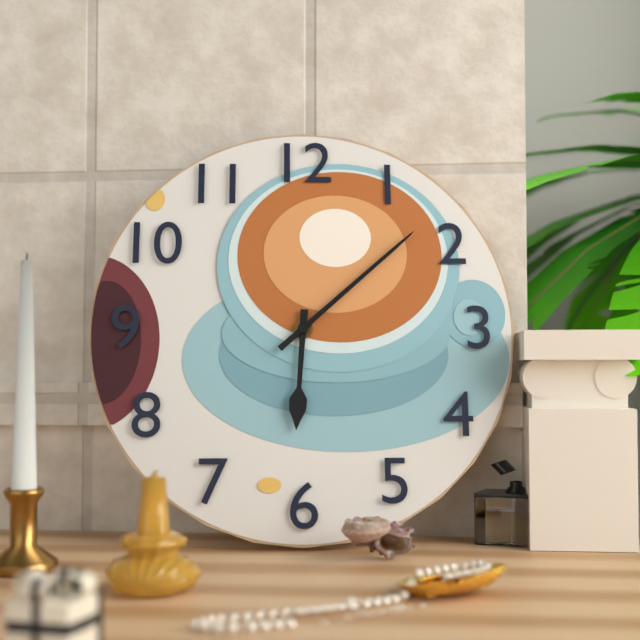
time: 6:08
